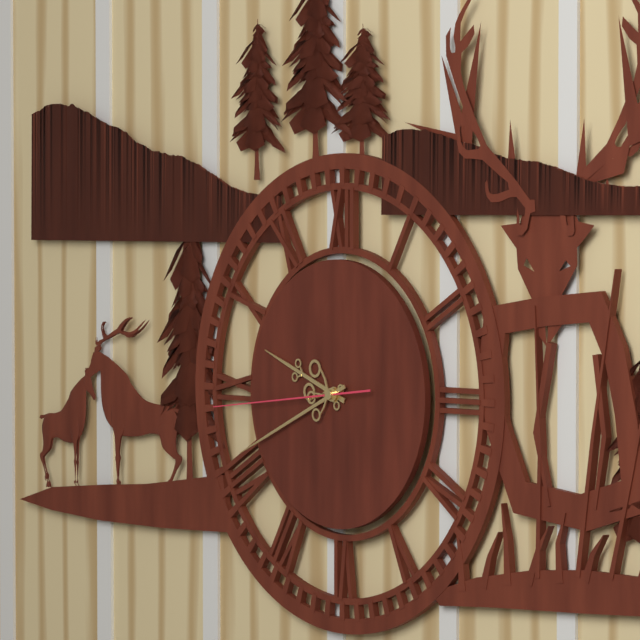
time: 9:41:44
